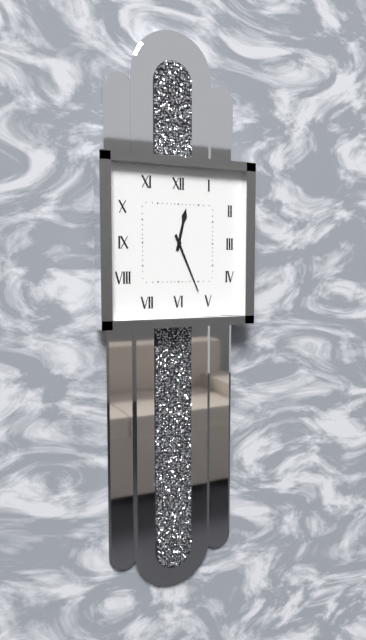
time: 12:26
